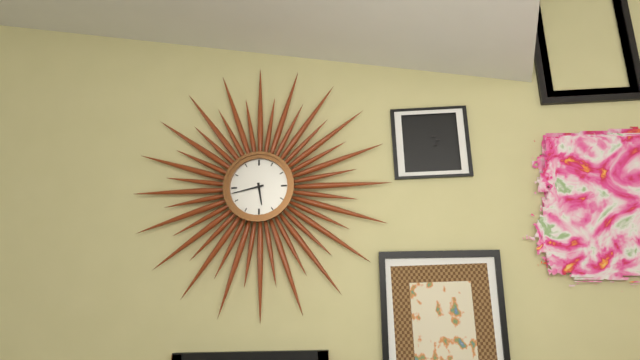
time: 5:43
